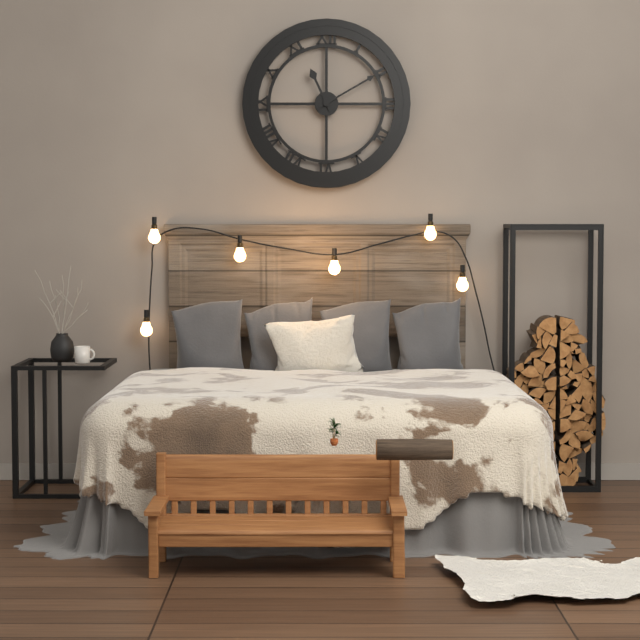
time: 11:10
